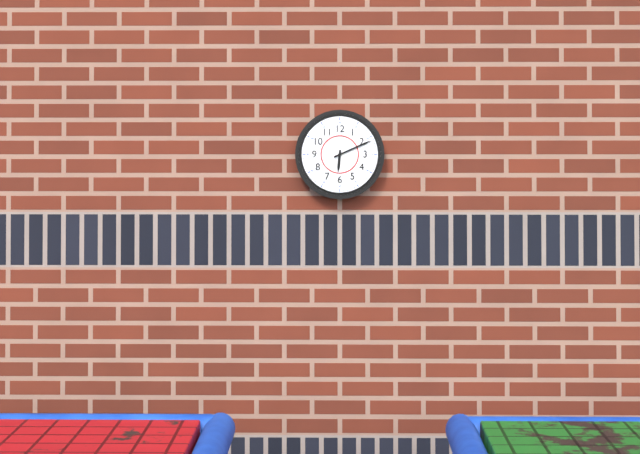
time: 6:11
